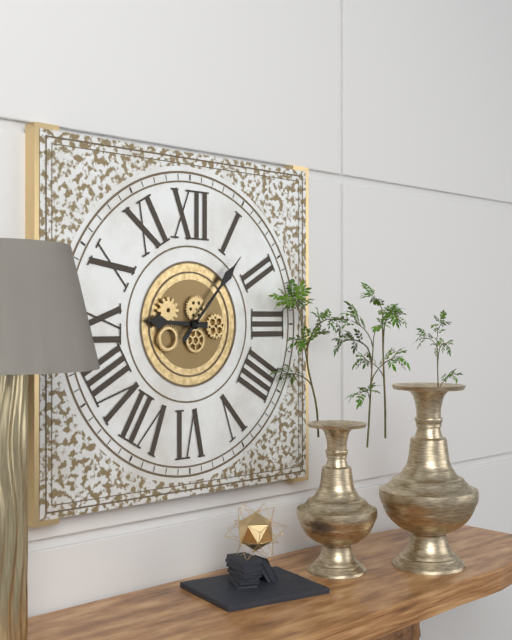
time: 9:07
